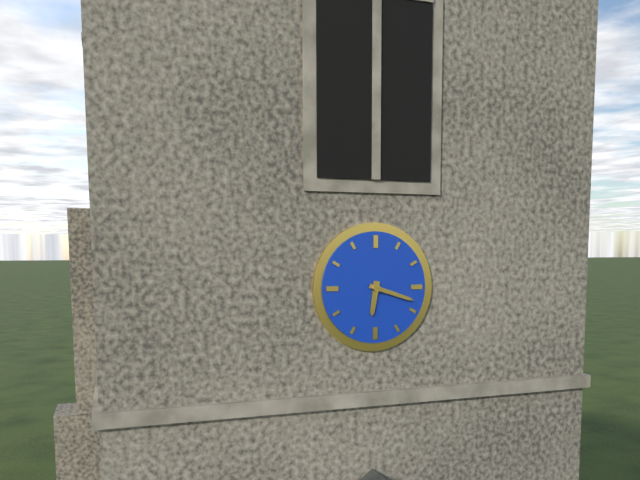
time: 6:18
